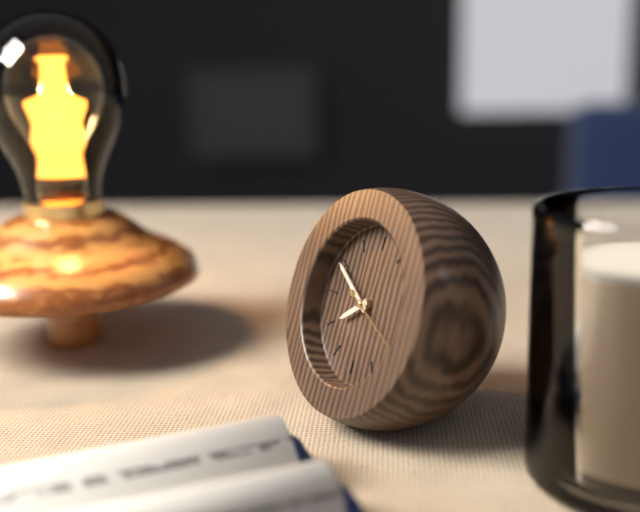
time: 7:50:19
